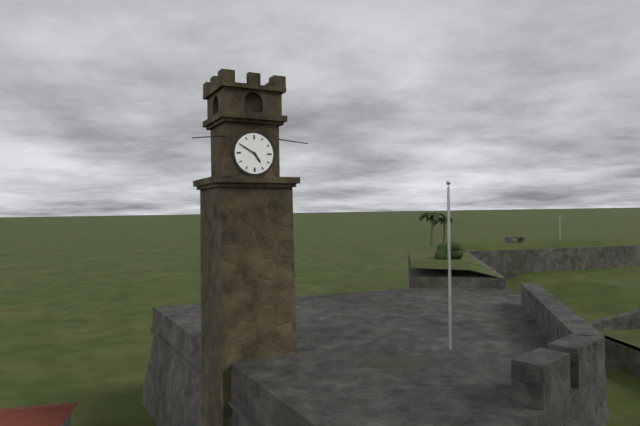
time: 4:50
